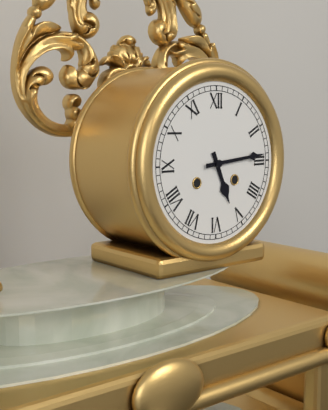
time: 5:14
